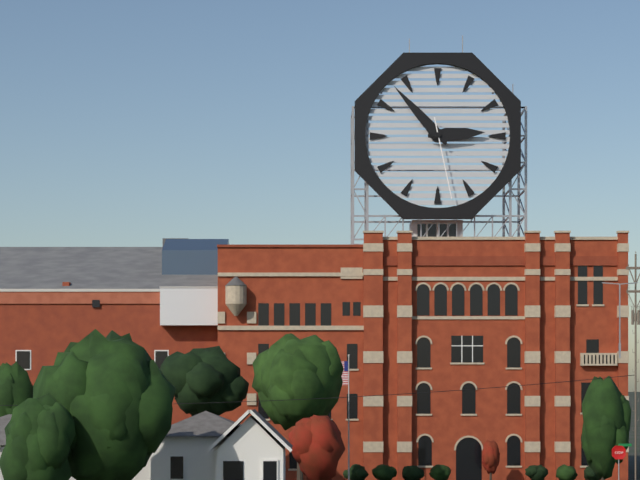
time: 2:53:28
